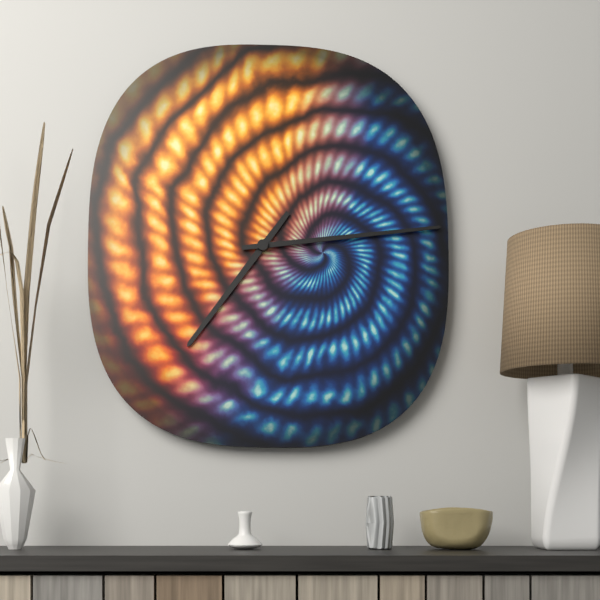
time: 7:14
